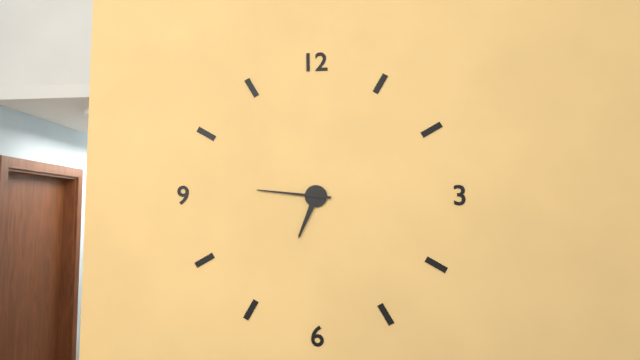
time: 6:46
